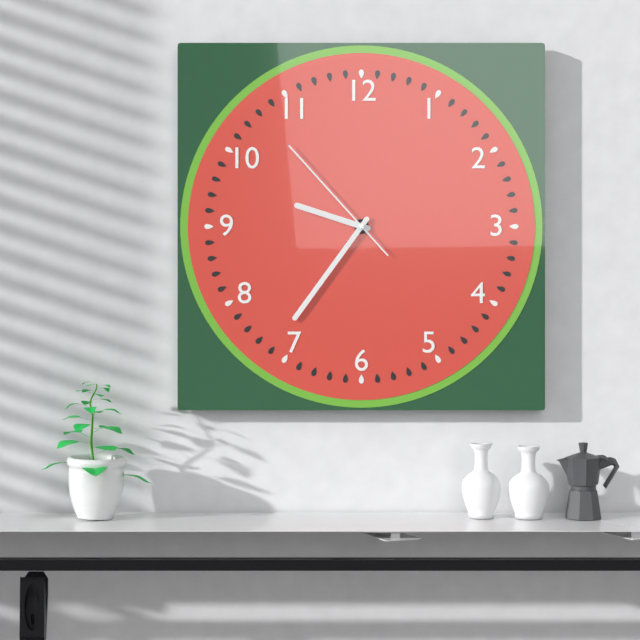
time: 9:36:53
